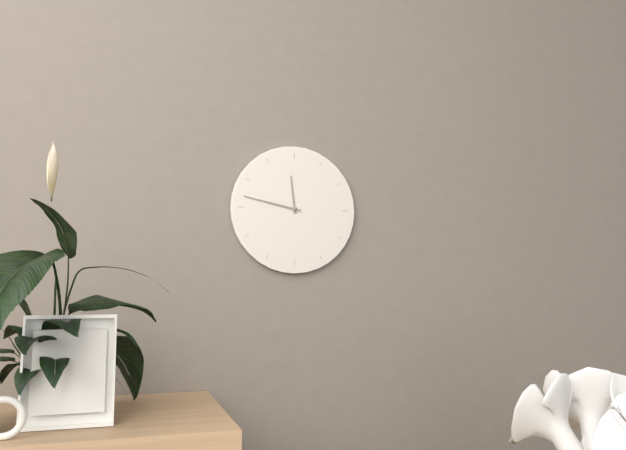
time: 11:47
